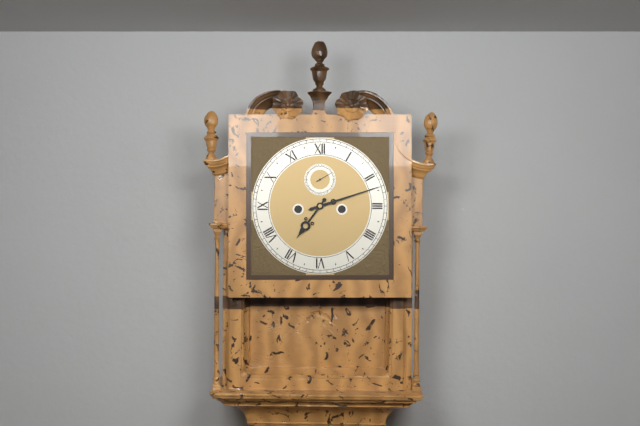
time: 7:12
